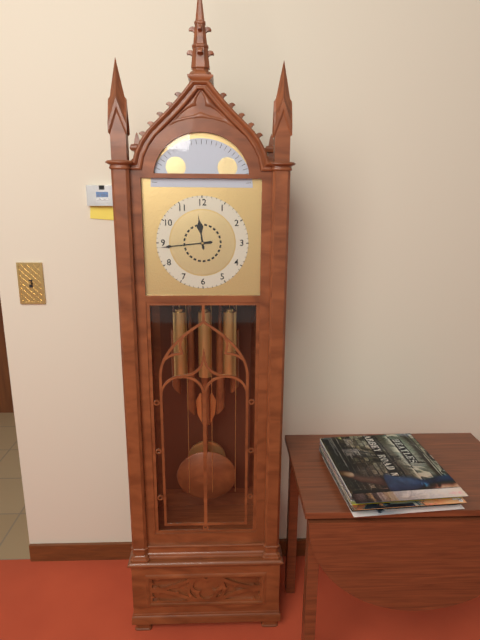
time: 11:44
